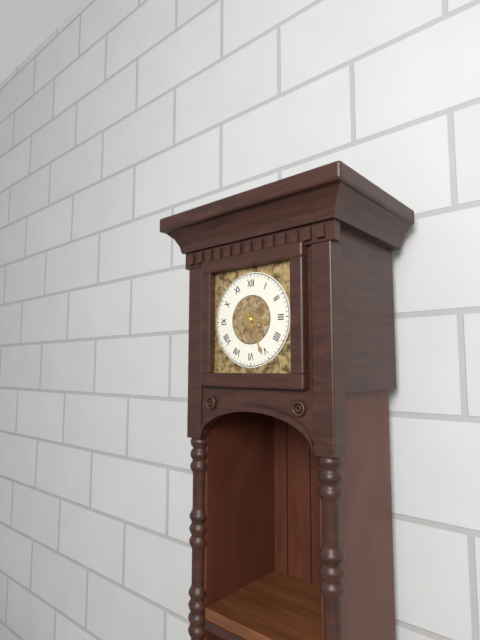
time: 3:26
